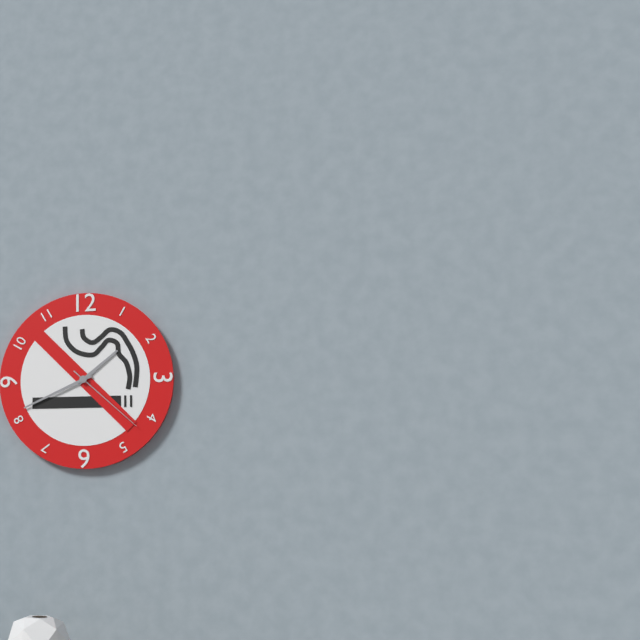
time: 1:41:22
